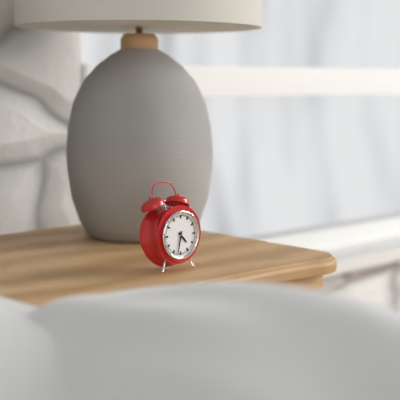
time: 4:32
